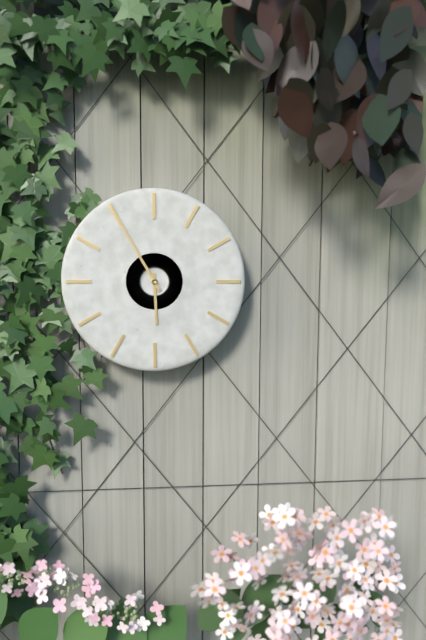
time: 5:55
